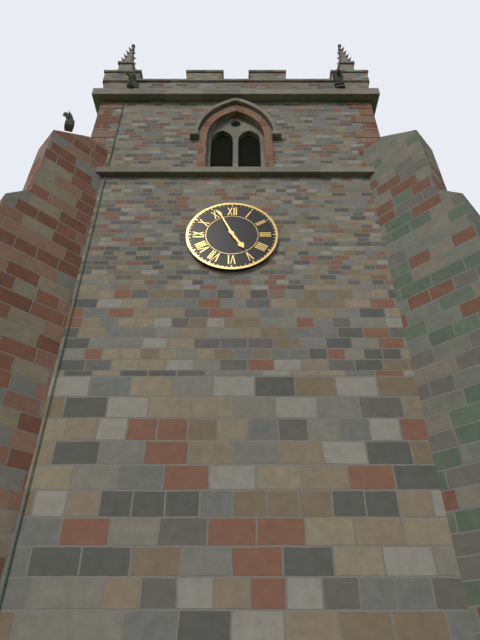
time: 4:56
